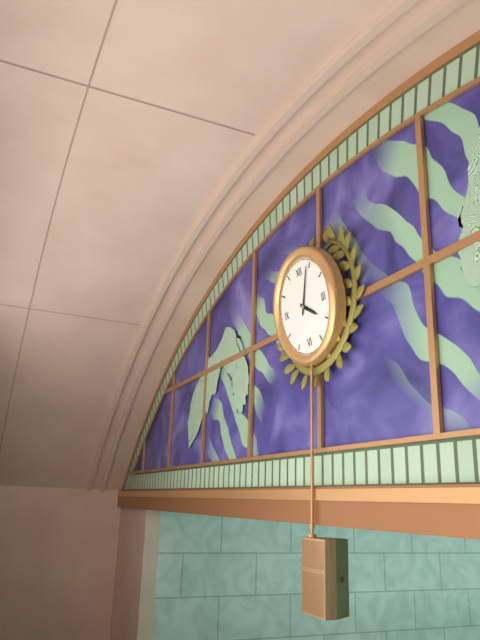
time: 4:04
